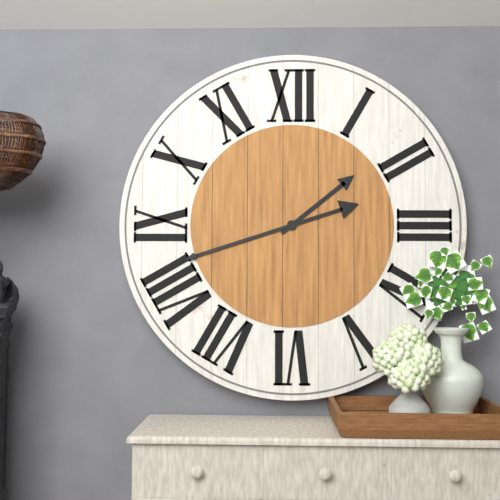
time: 1:42
